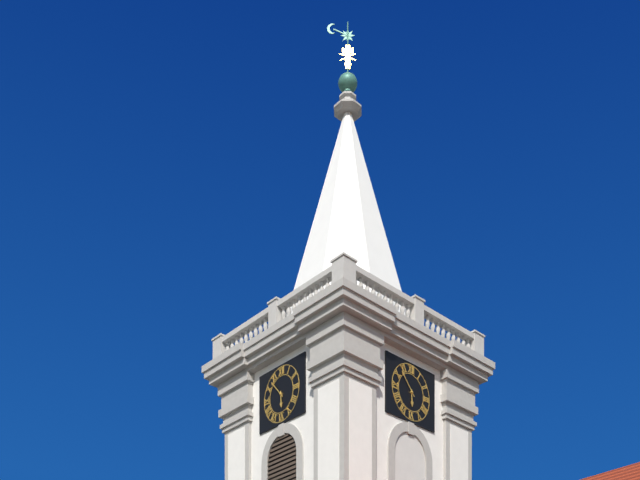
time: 5:53
